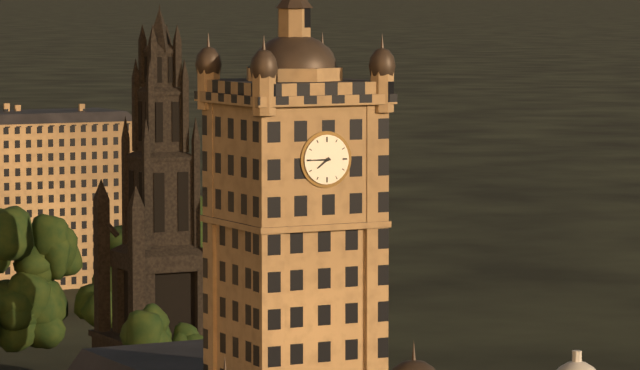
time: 7:45
